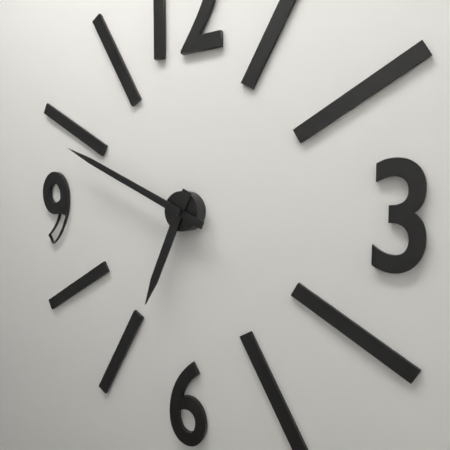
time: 6:49
